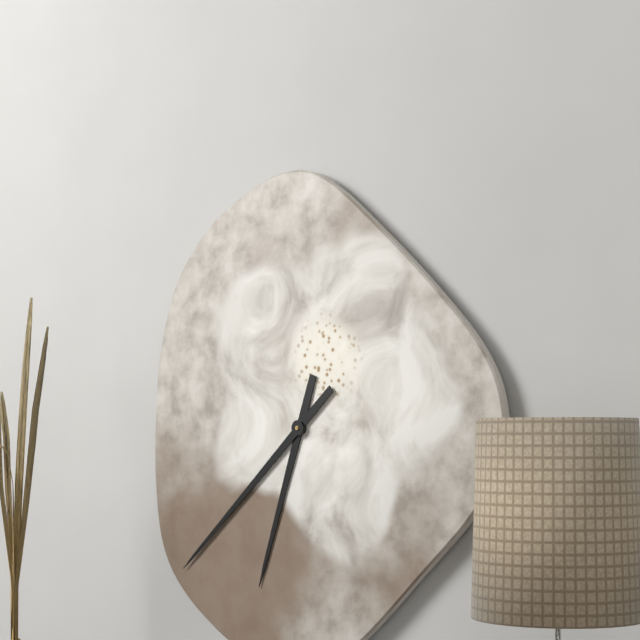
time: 6:38
